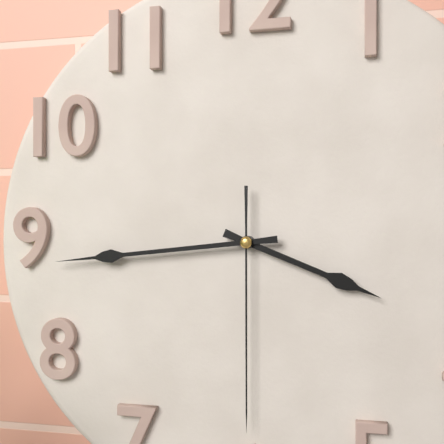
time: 3:44:30
